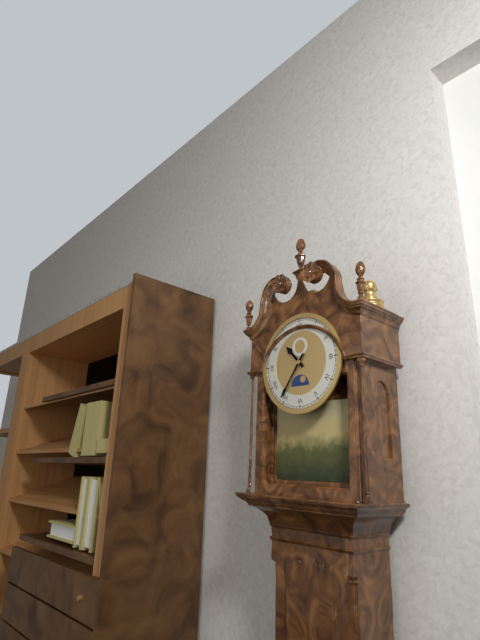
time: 10:36
